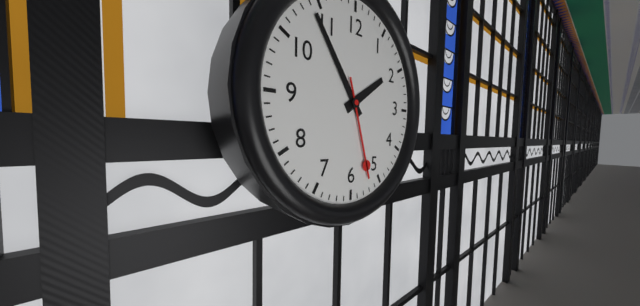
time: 1:54:27
